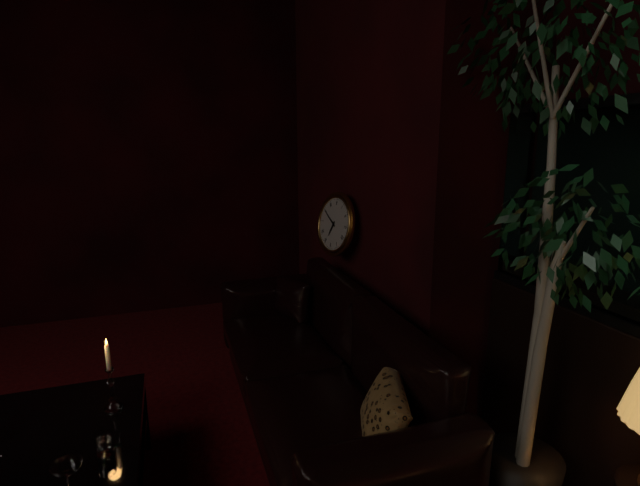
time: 6:50
